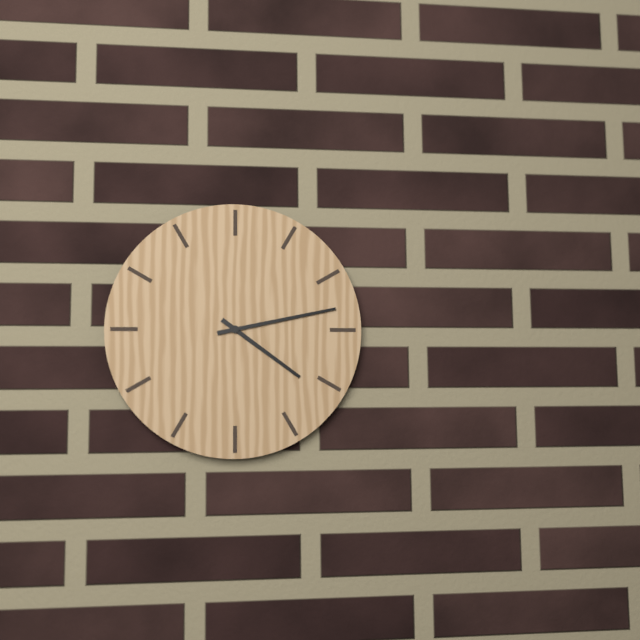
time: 4:13
